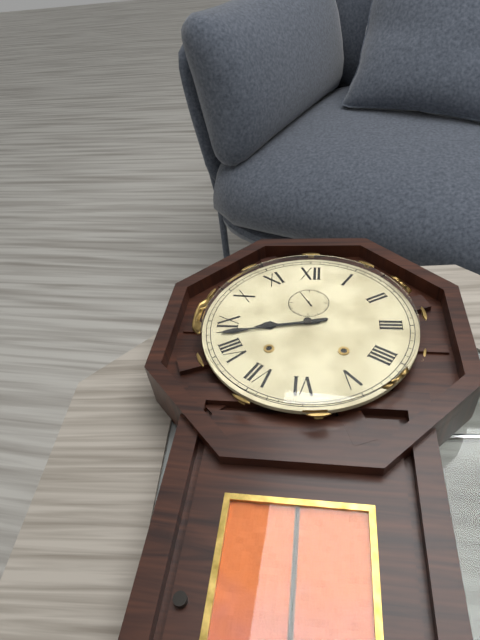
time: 8:43:55
